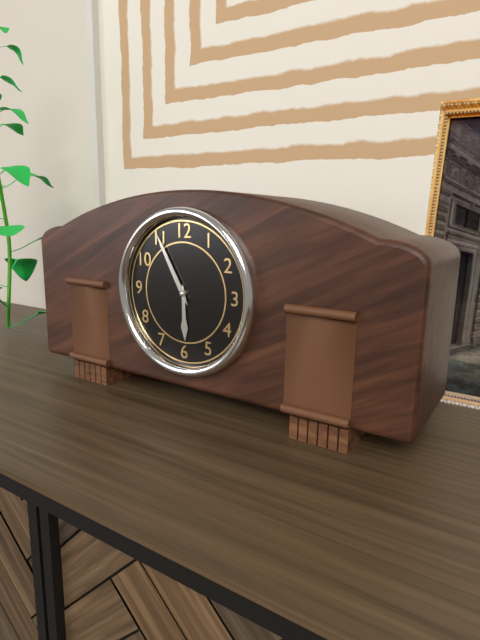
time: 5:55
